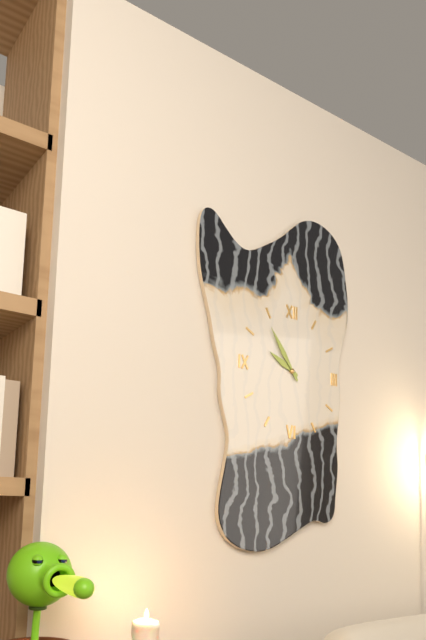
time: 9:54
